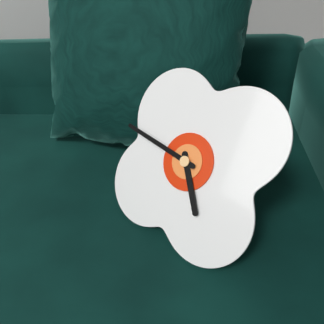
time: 4:46
